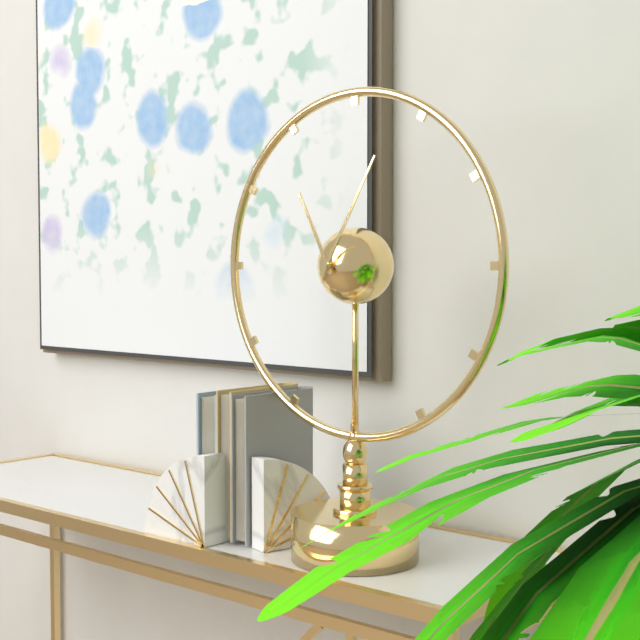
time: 11:05
